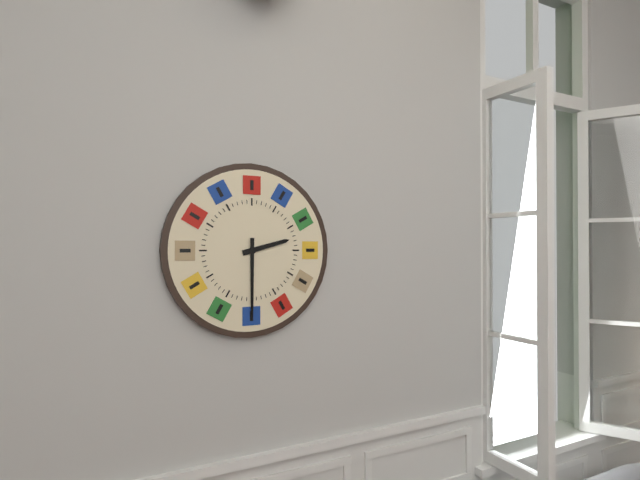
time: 2:30
